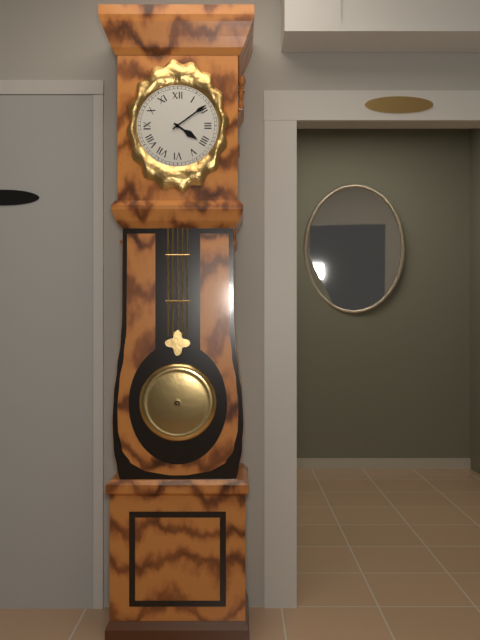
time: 4:09
